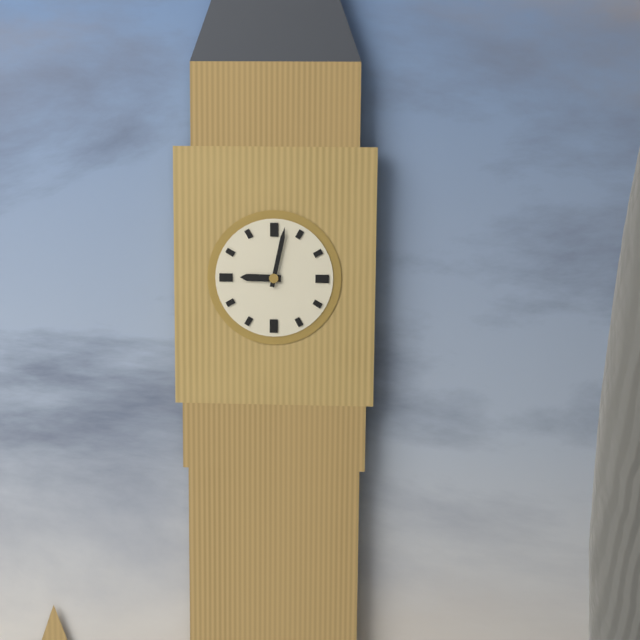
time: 9:02
